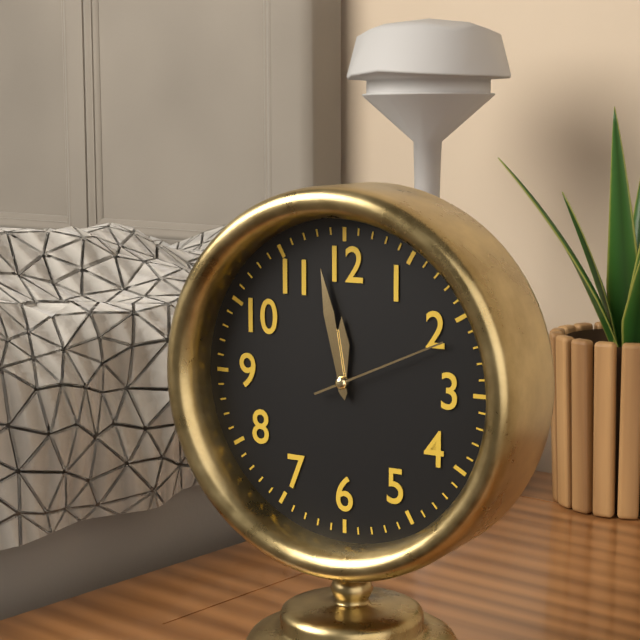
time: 11:58:11
